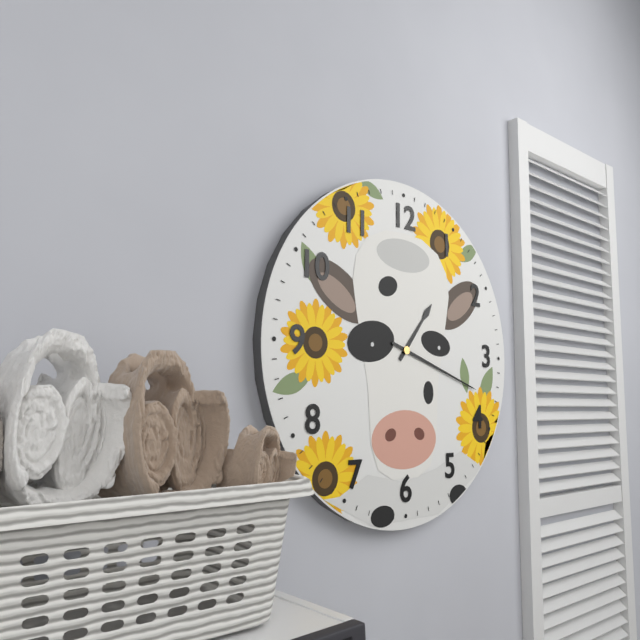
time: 1:18
